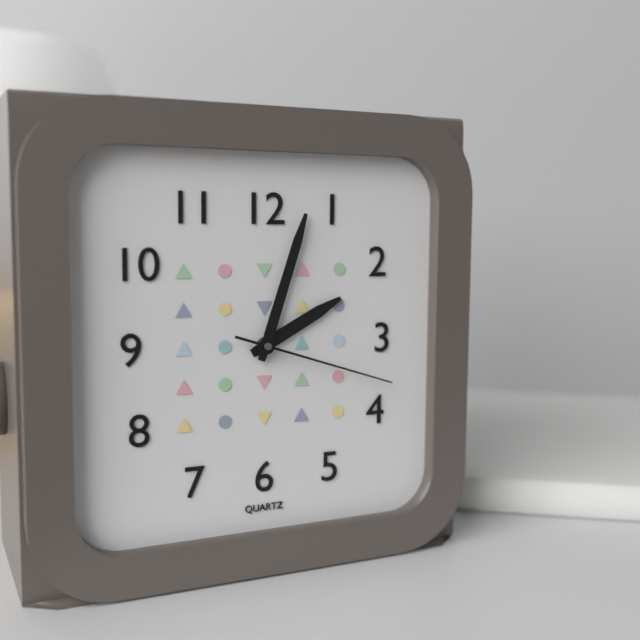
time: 2:03:18
